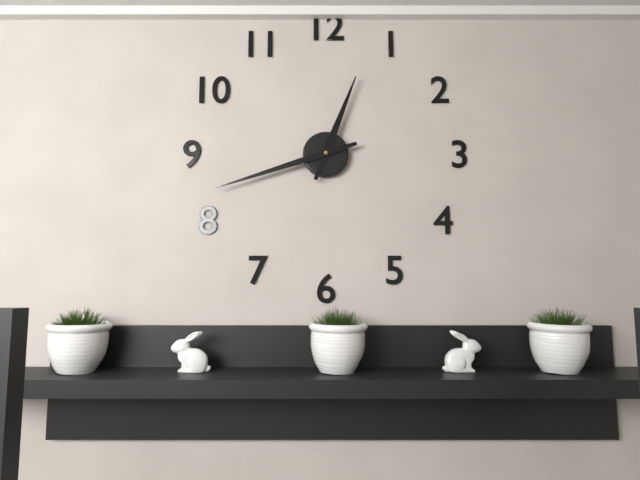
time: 12:42
